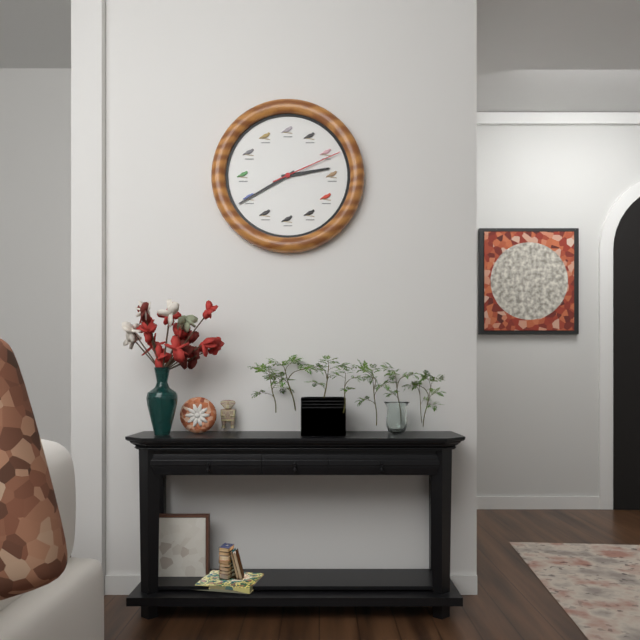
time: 2:40:11
